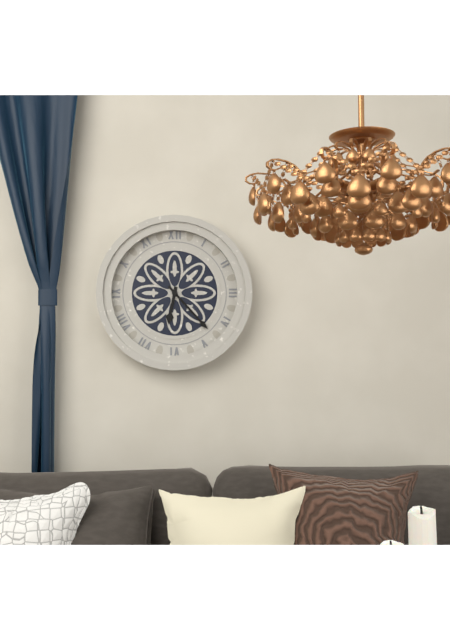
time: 6:23
